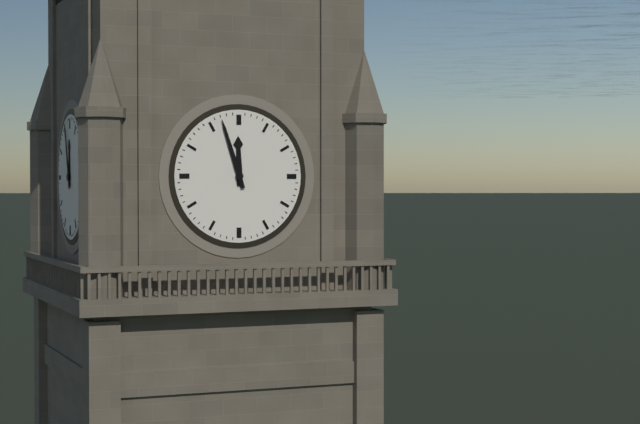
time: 11:57
